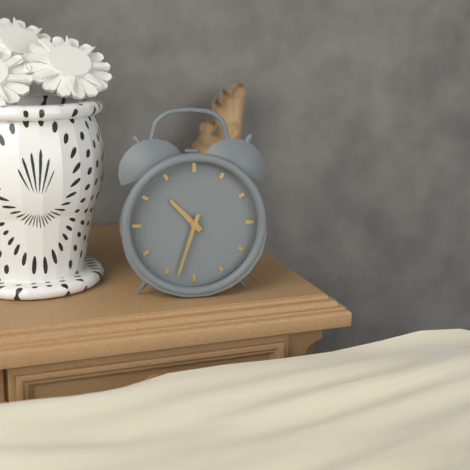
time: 10:33
